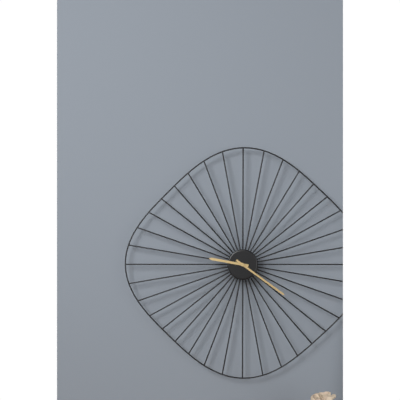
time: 9:21
